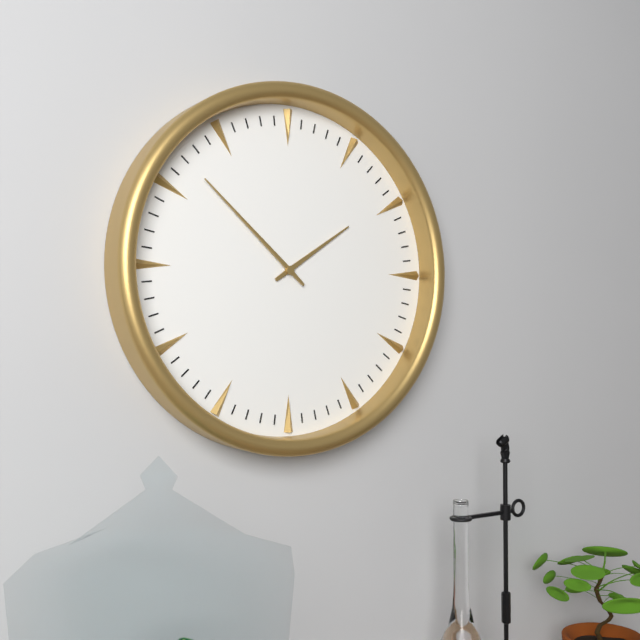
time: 1:52
